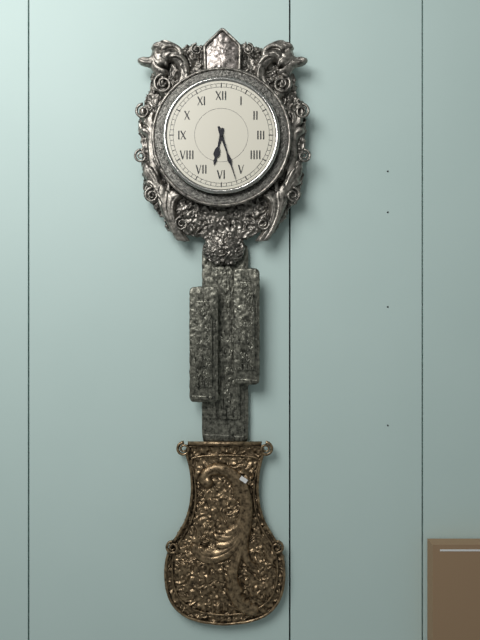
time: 6:27
